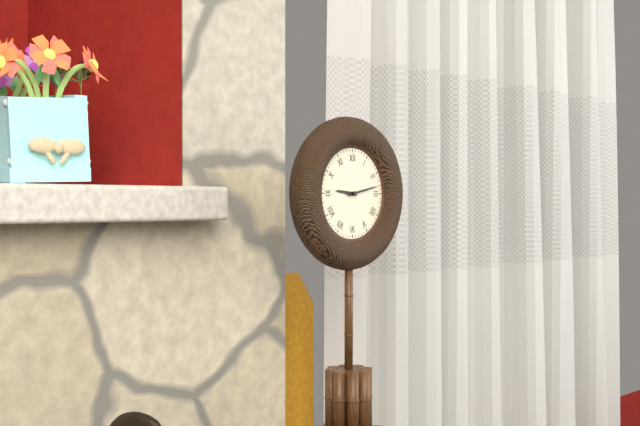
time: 9:13
